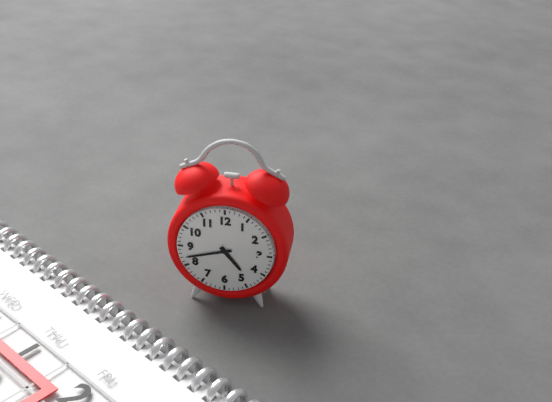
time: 4:42
